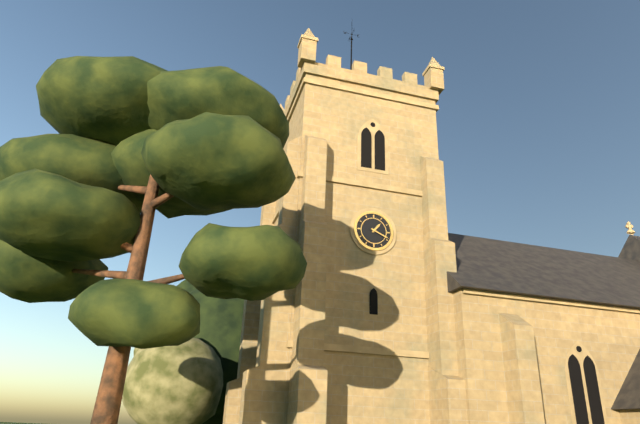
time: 1:19
